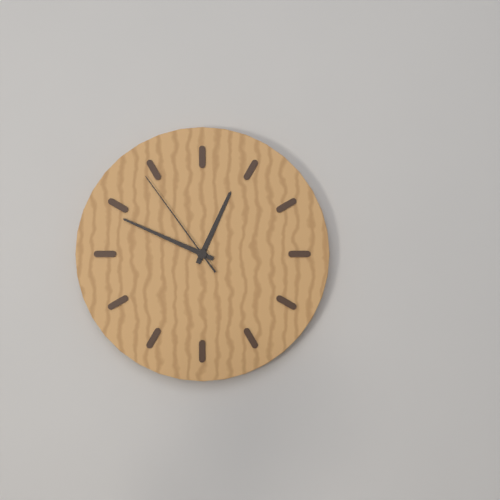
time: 12:49:54
